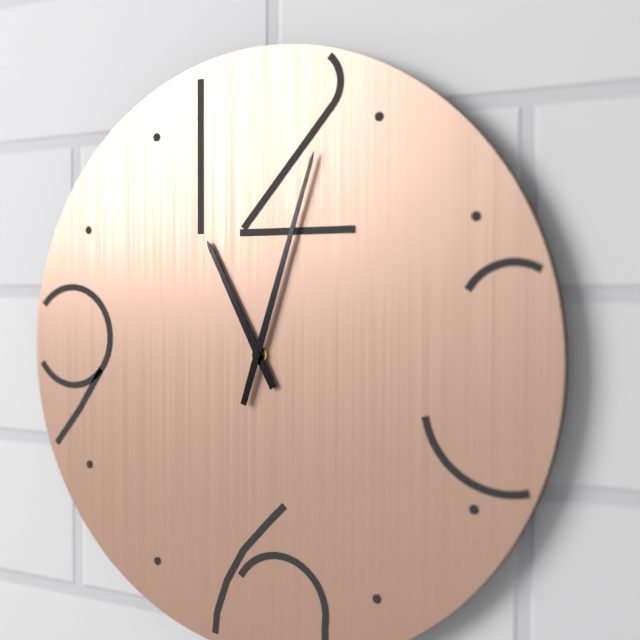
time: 11:03
